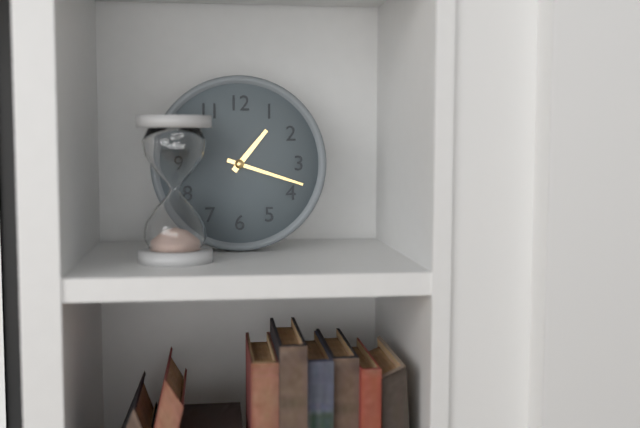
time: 1:18
